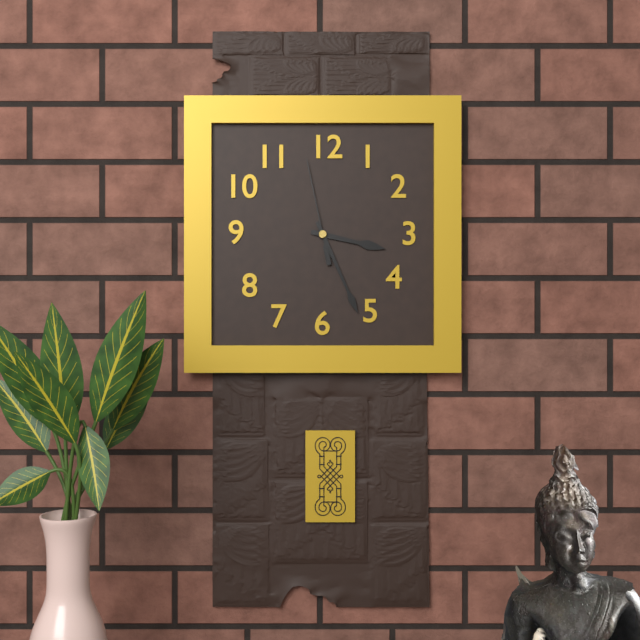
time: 3:26:58
